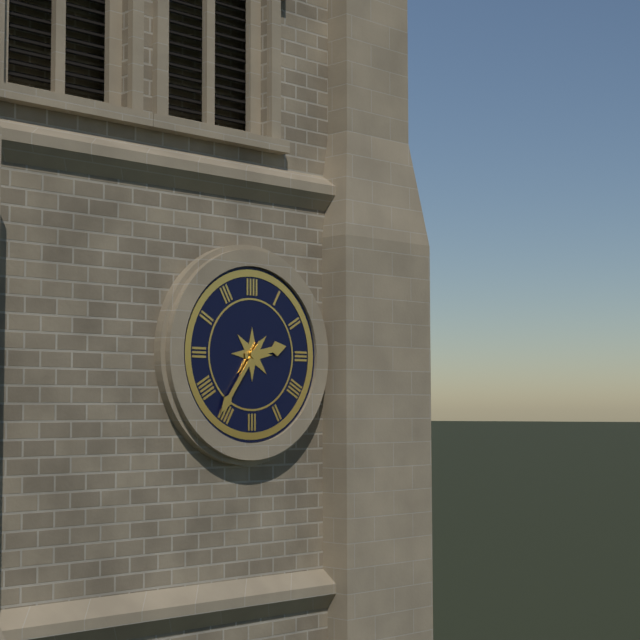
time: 2:36
